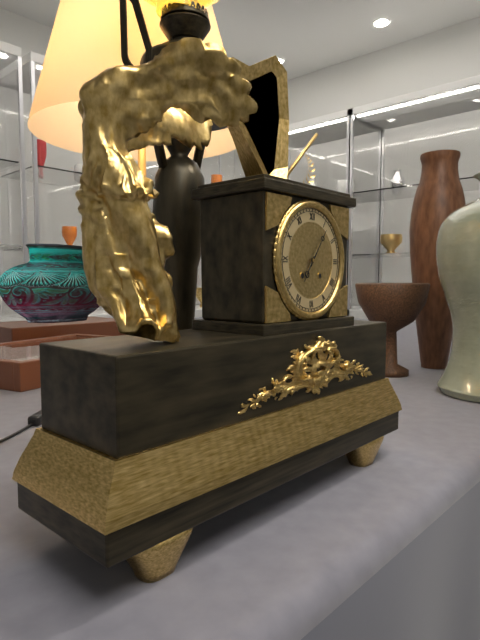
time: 7:06
